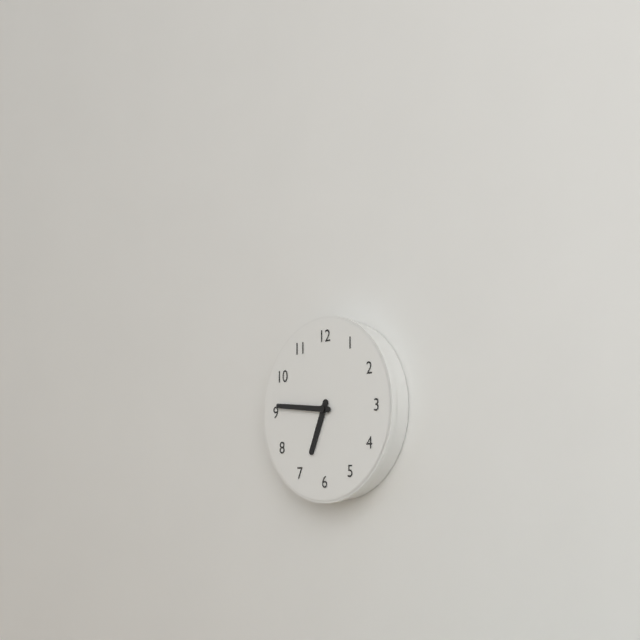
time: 6:46
